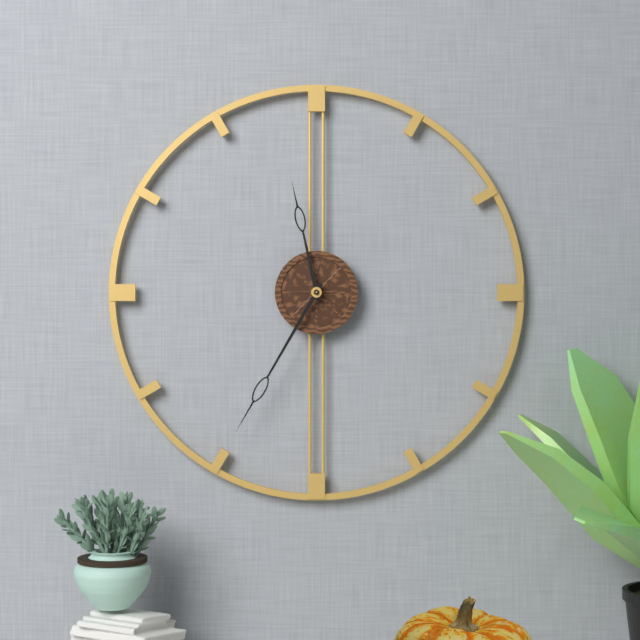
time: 11:35
